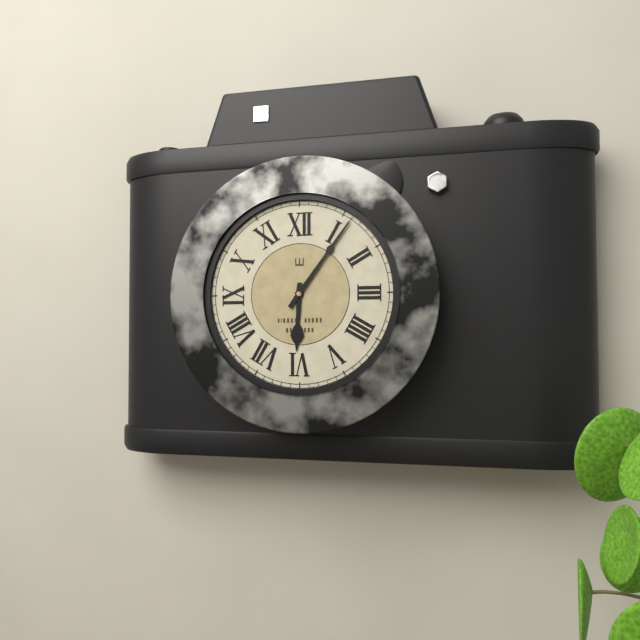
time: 6:06
